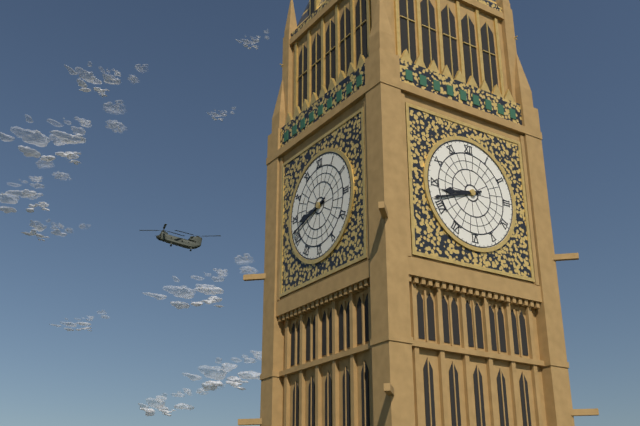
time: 8:42
